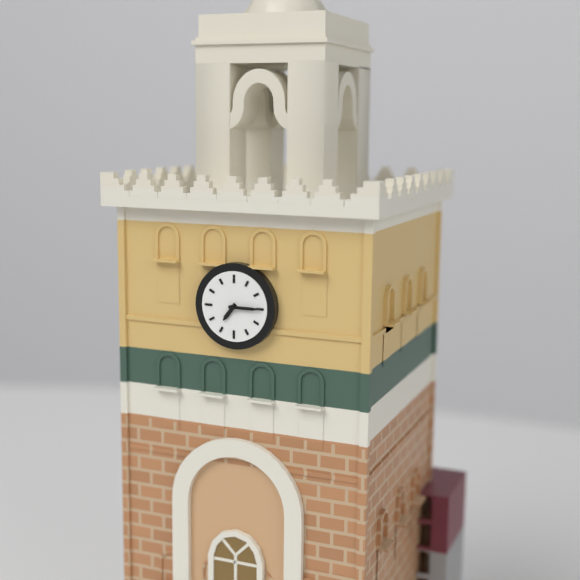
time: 7:15
